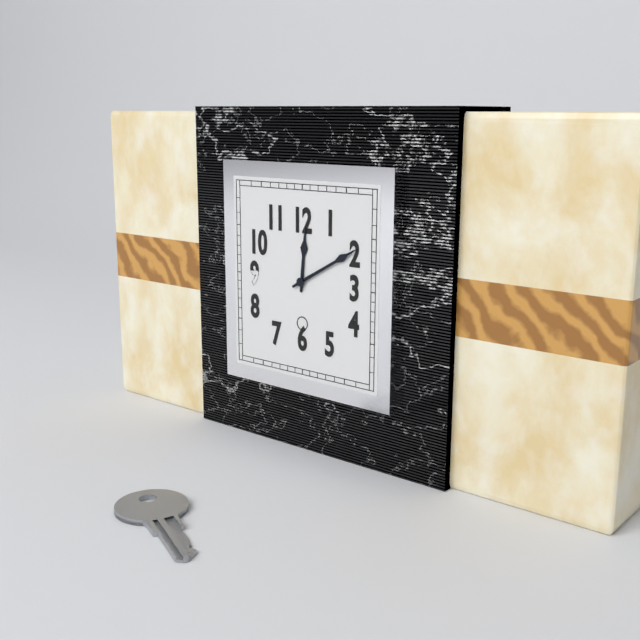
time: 12:10
